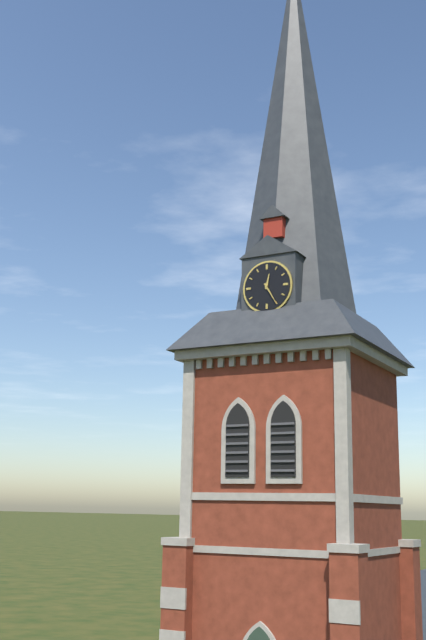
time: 12:25
